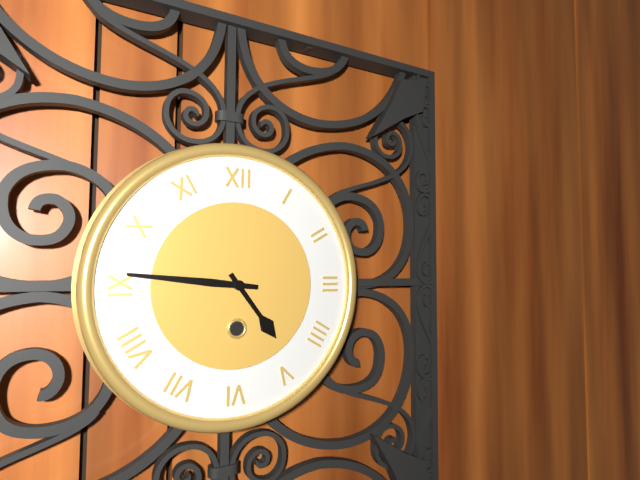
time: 4:46
